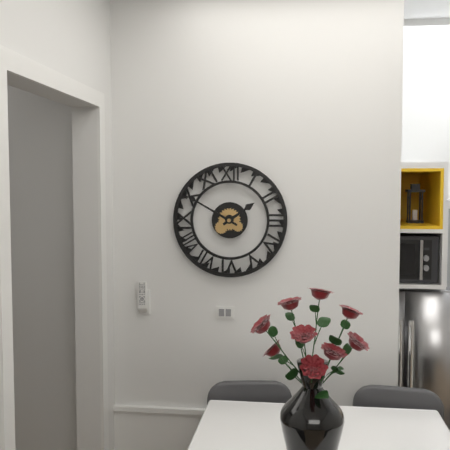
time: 1:50
